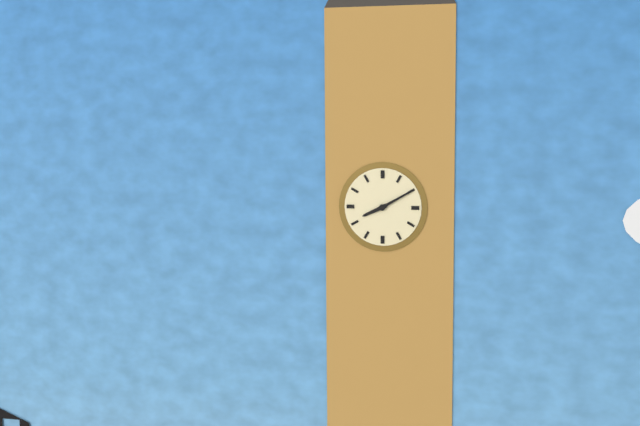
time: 8:10
